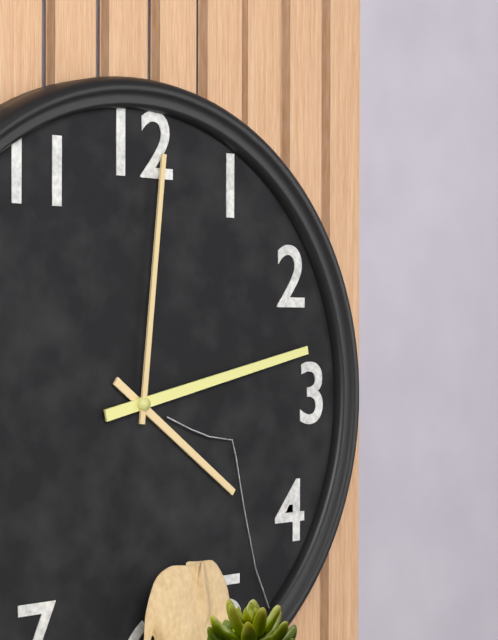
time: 4:13:01
